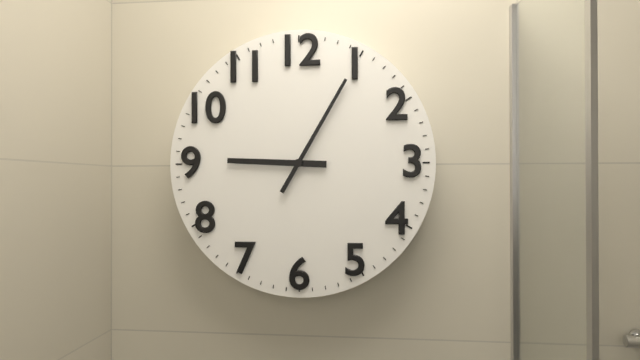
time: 9:05
